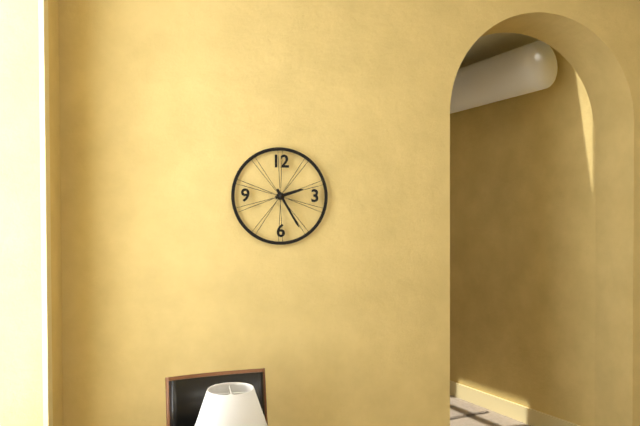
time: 2:25
